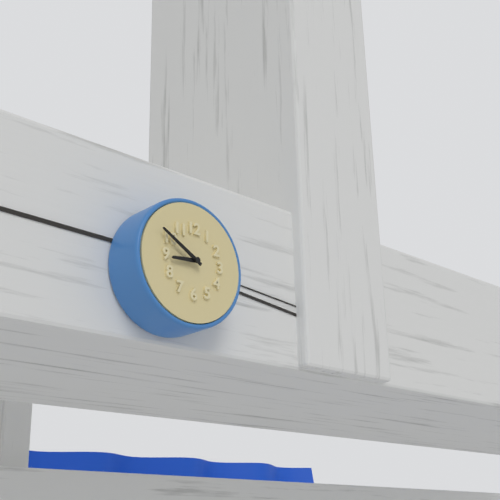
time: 8:50
